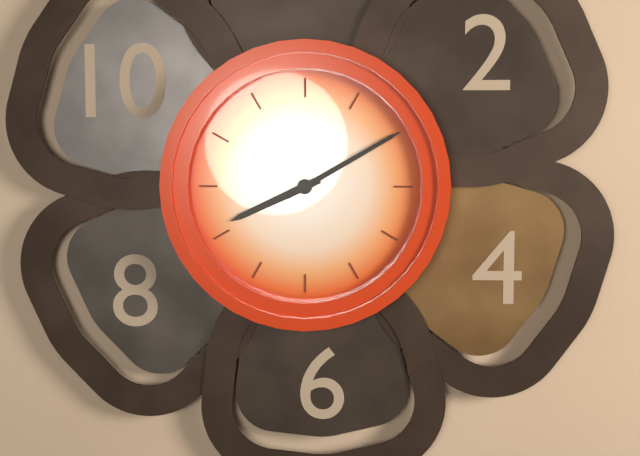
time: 8:10:10
